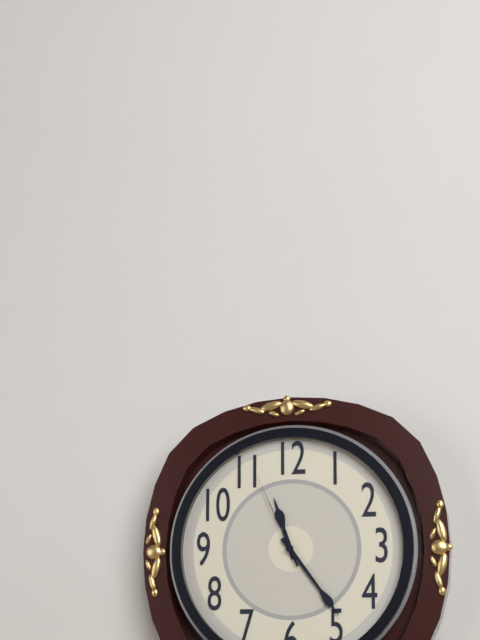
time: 11:24:56
